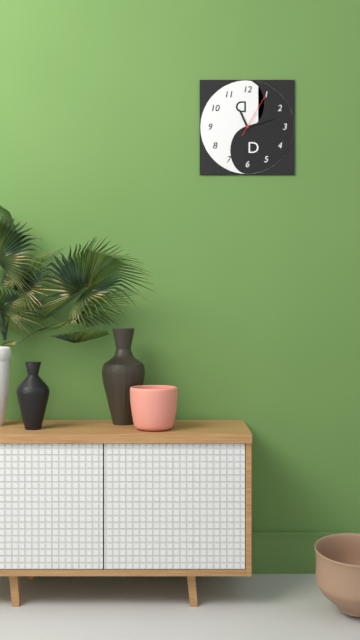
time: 11:12
